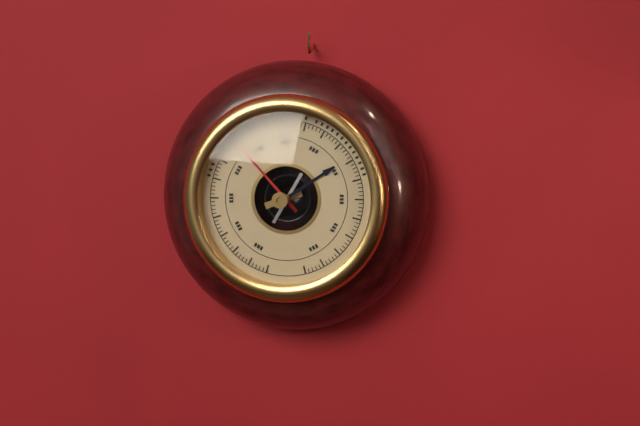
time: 1:53
